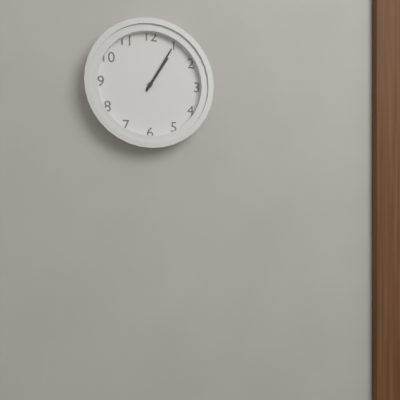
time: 1:05
